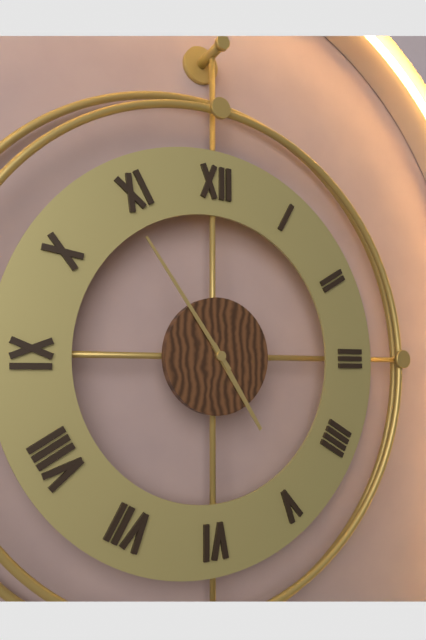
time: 4:54
